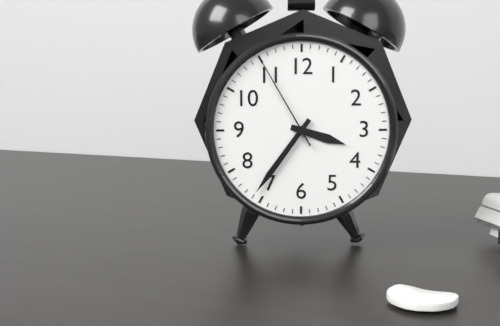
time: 3:36:55
